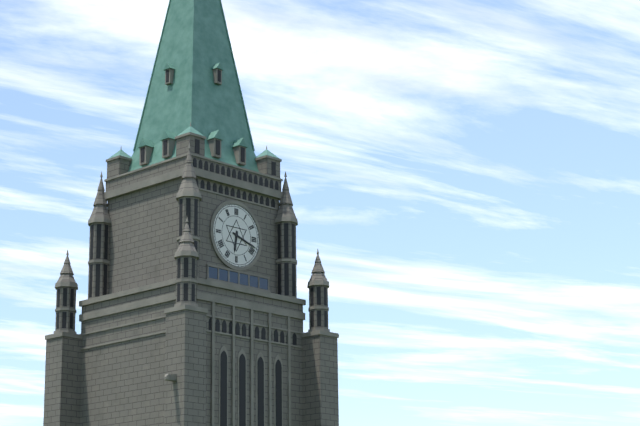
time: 6:18
